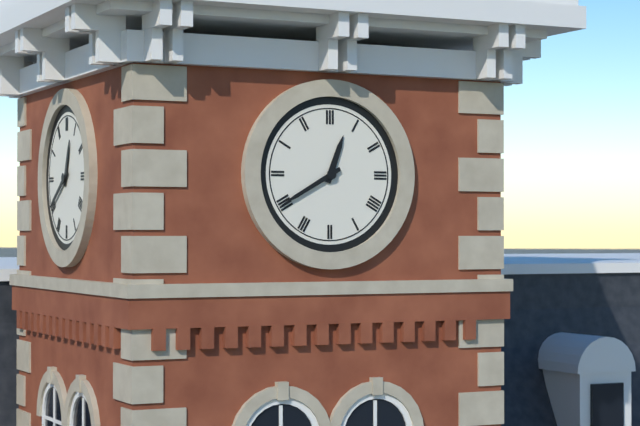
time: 12:40
